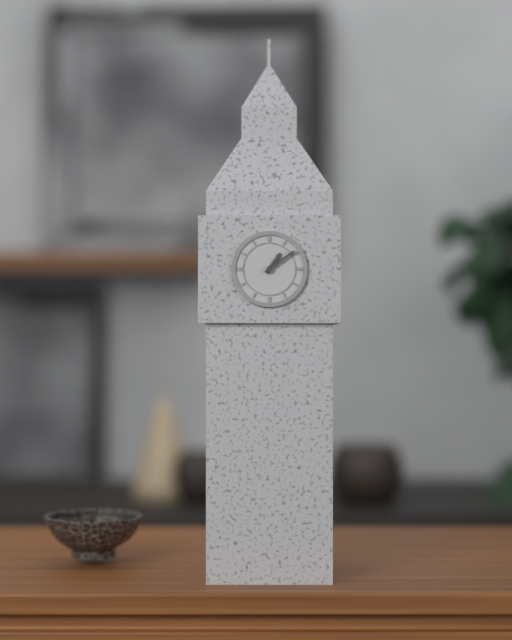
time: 1:09
